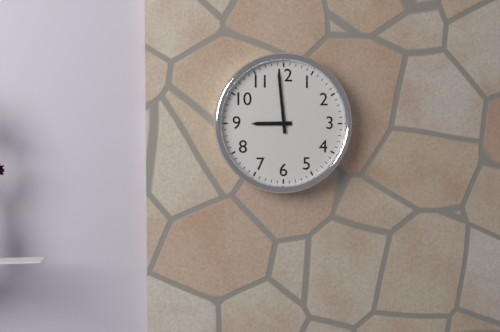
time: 8:59
